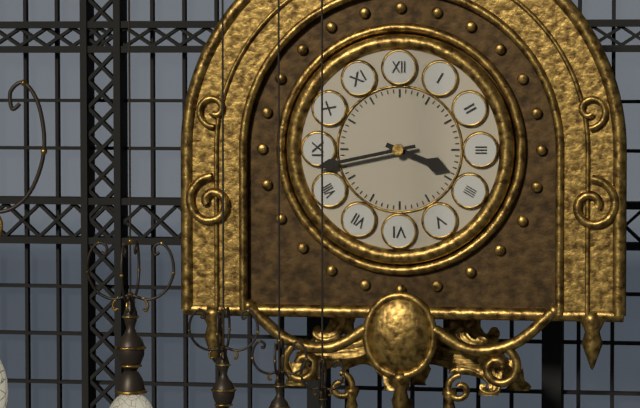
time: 3:43
